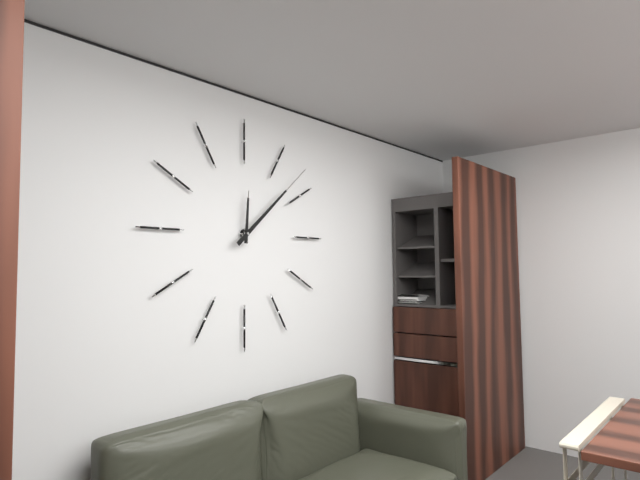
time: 12:08
